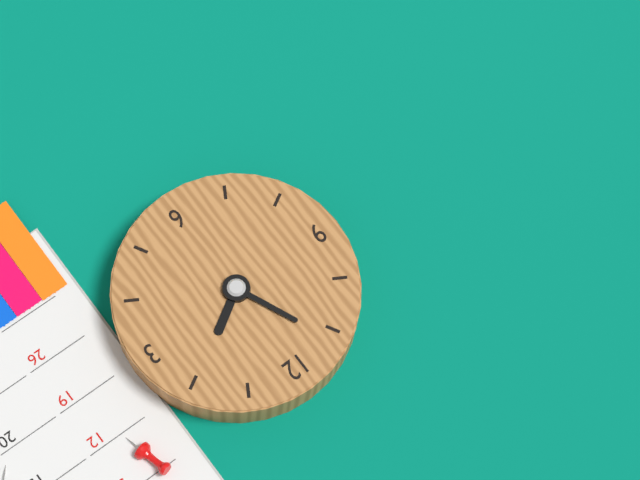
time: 1:56
